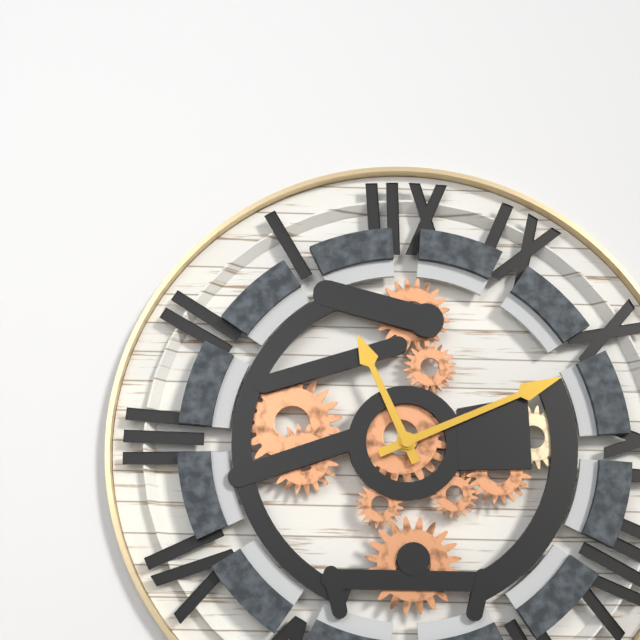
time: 11:11
